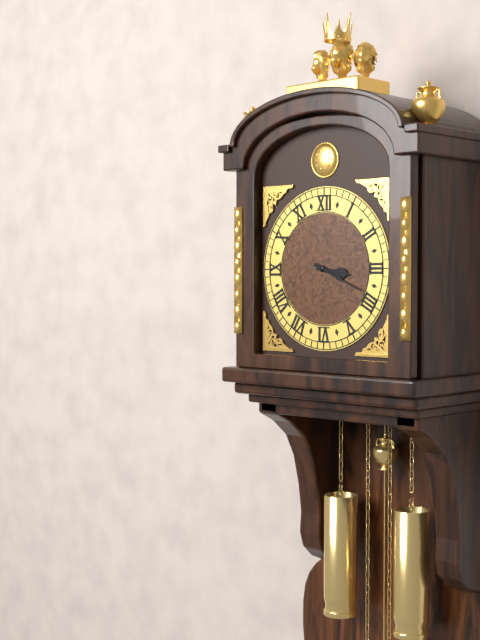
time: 3:19
